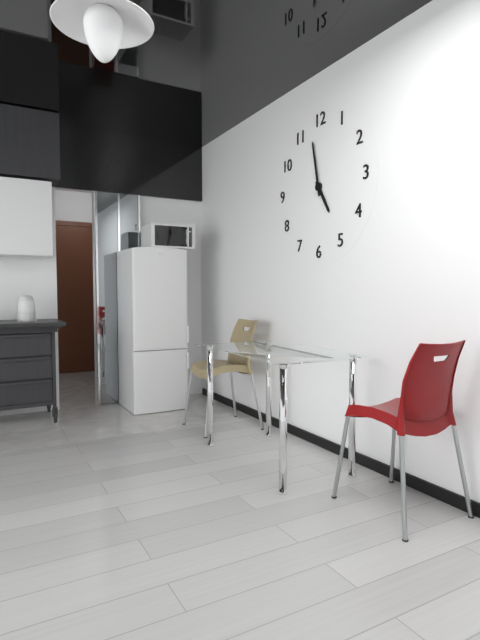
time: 4:58
